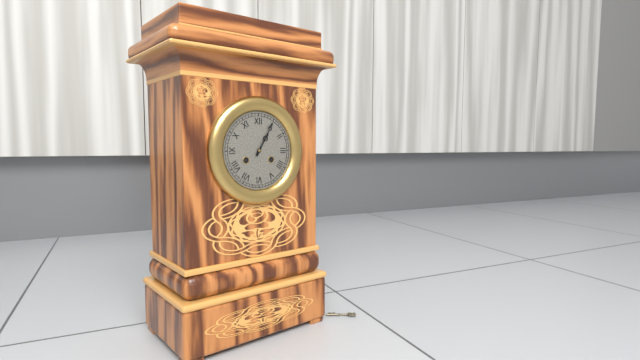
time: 1:05
